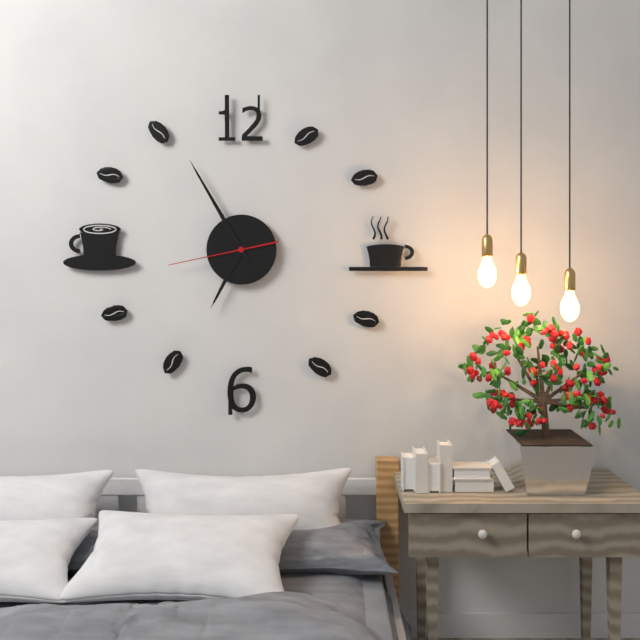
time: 6:55:43
